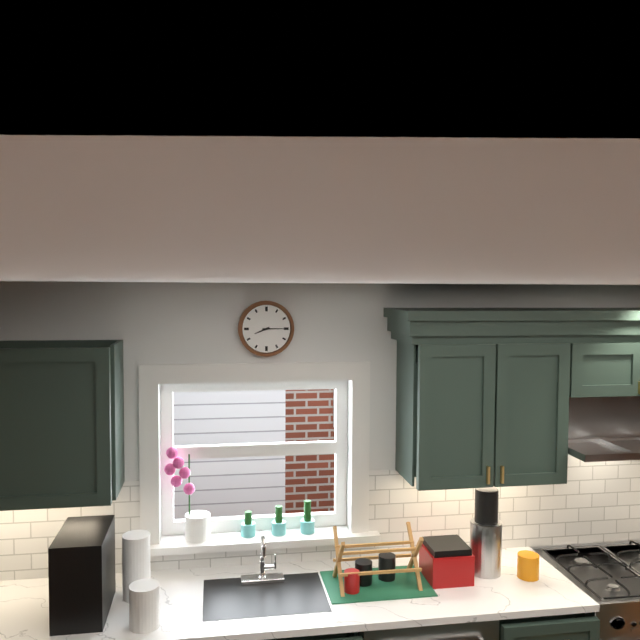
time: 8:15
